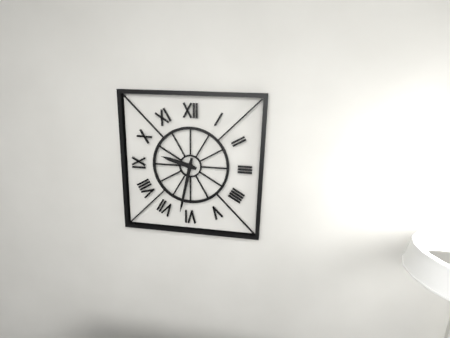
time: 9:32
